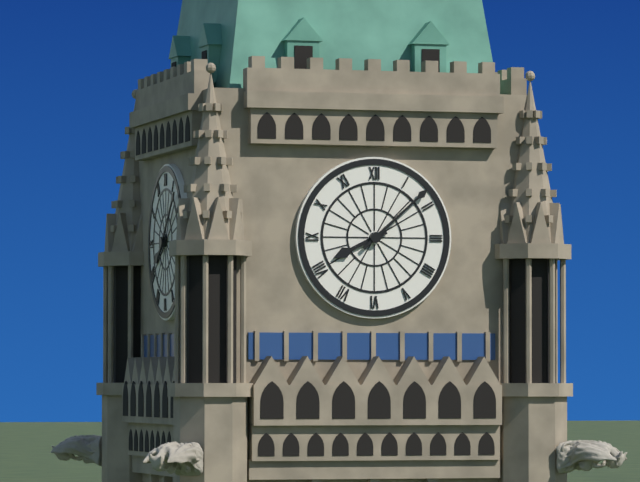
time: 8:08
